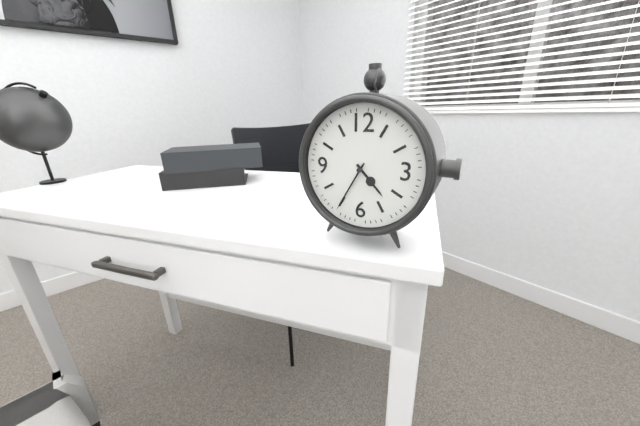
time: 4:35
